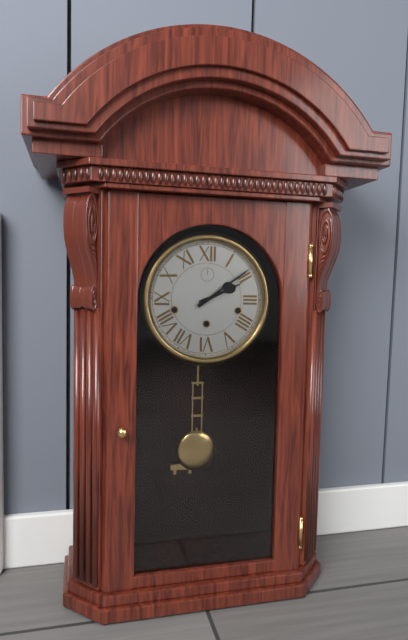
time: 2:09
